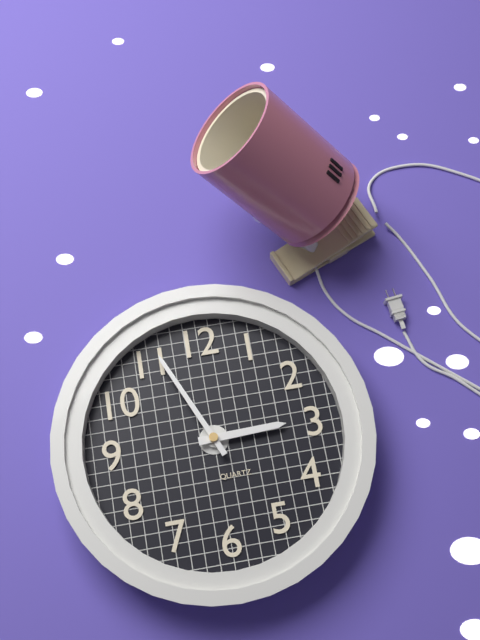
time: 2:56
